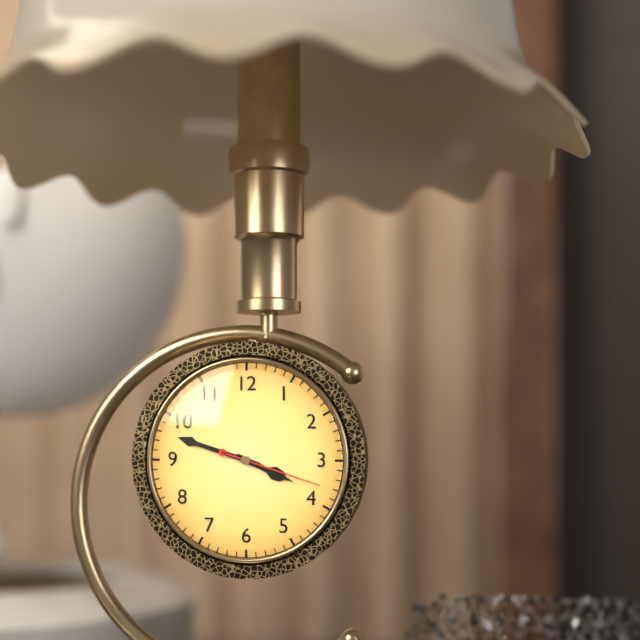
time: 3:48:18
